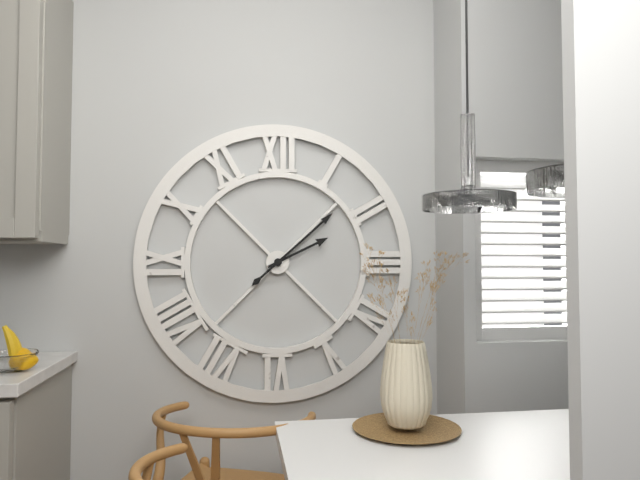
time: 2:08
